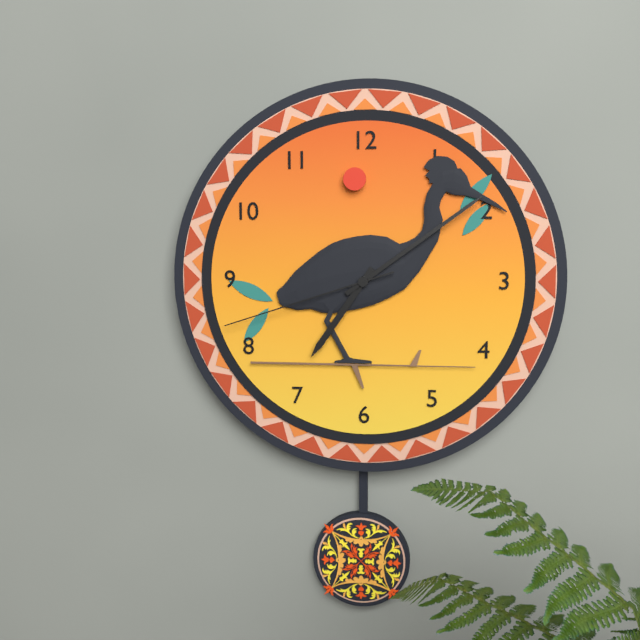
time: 7:09:42
